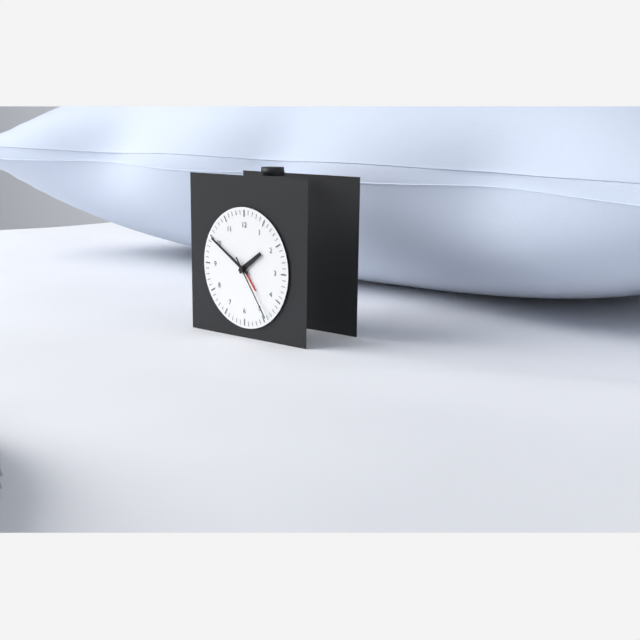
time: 1:50:24
